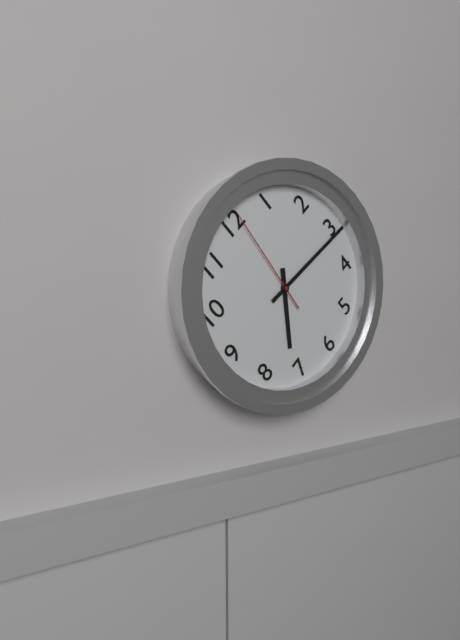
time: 7:16:01
